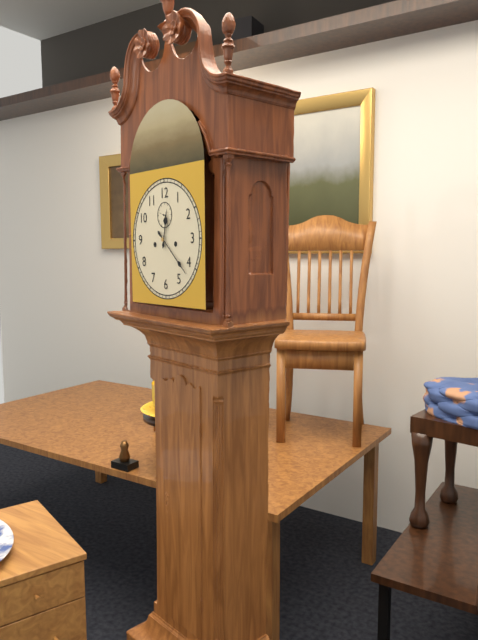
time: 12:22
